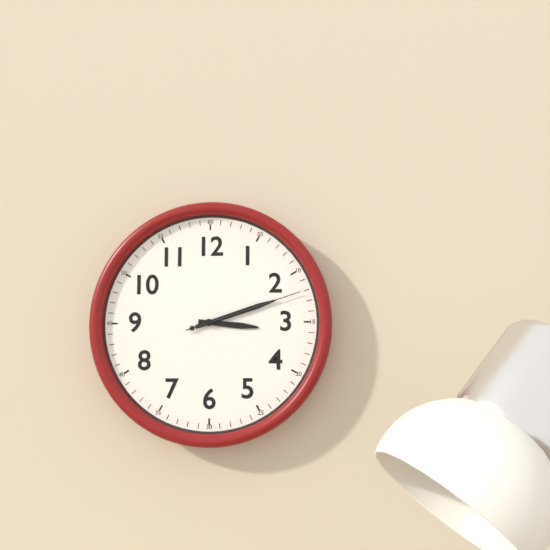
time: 3:12:12
